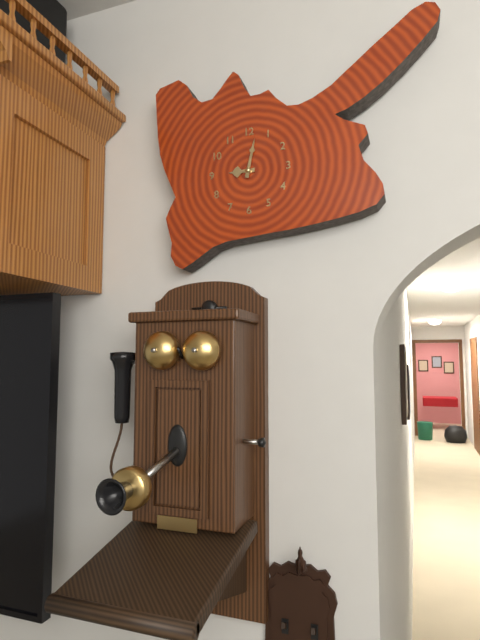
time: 9:02
